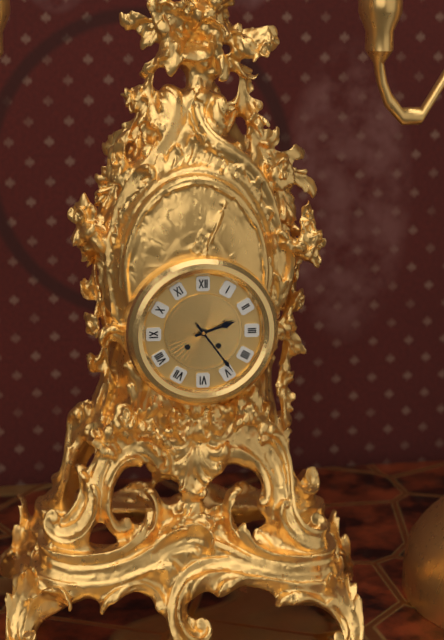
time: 2:24
